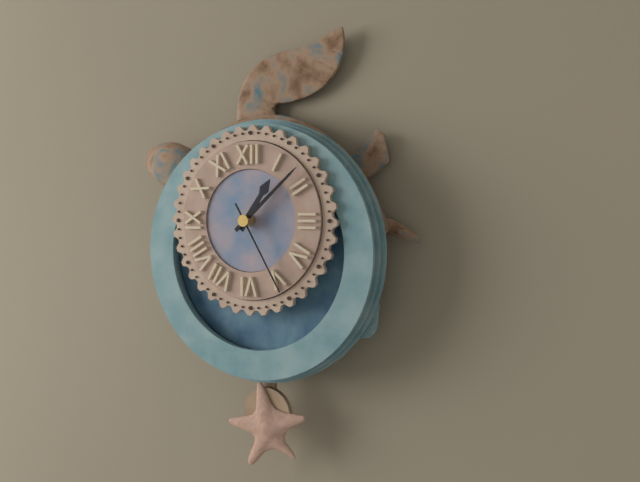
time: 1:08:25
